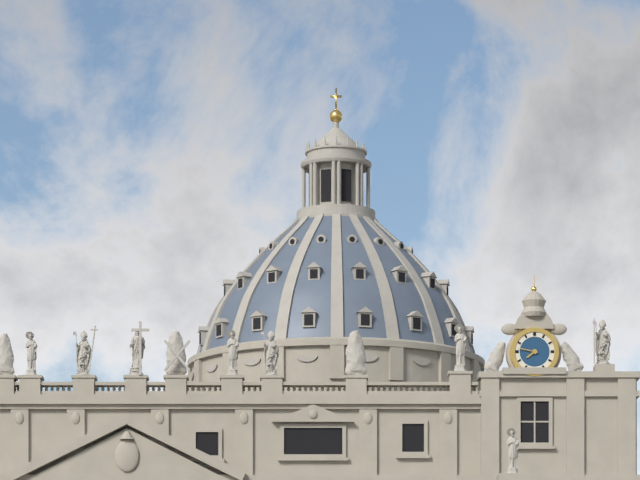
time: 7:47
